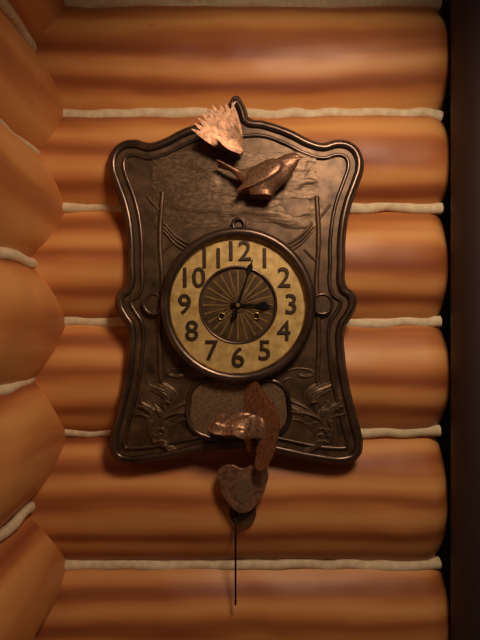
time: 3:03
